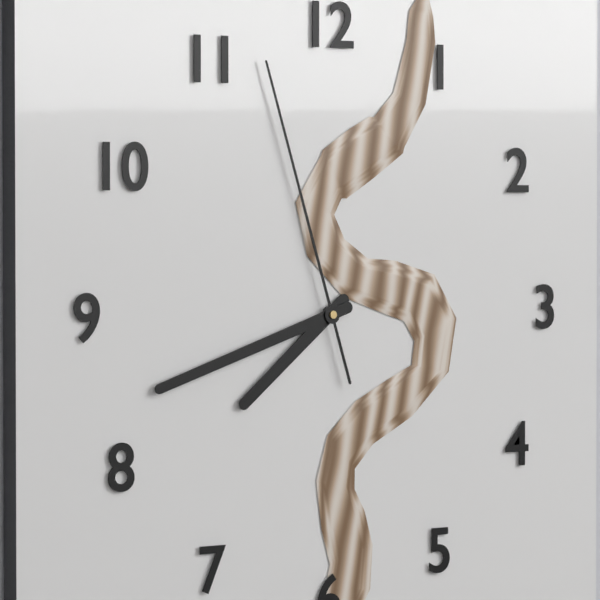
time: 7:42:57
